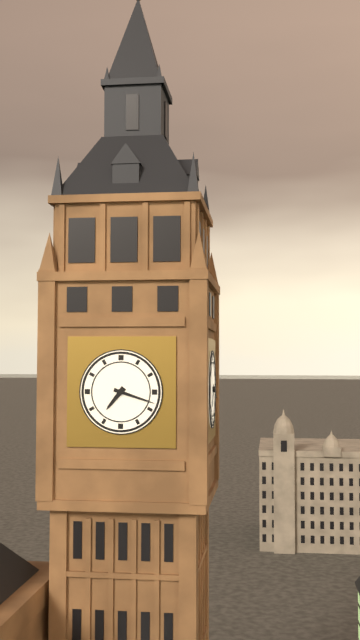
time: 7:18
